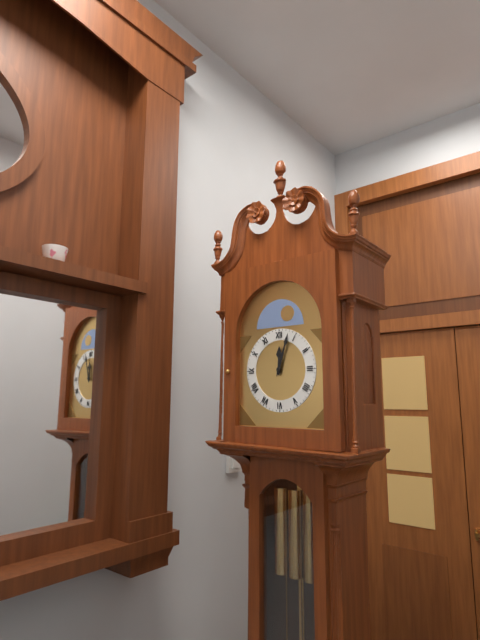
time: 12:03
